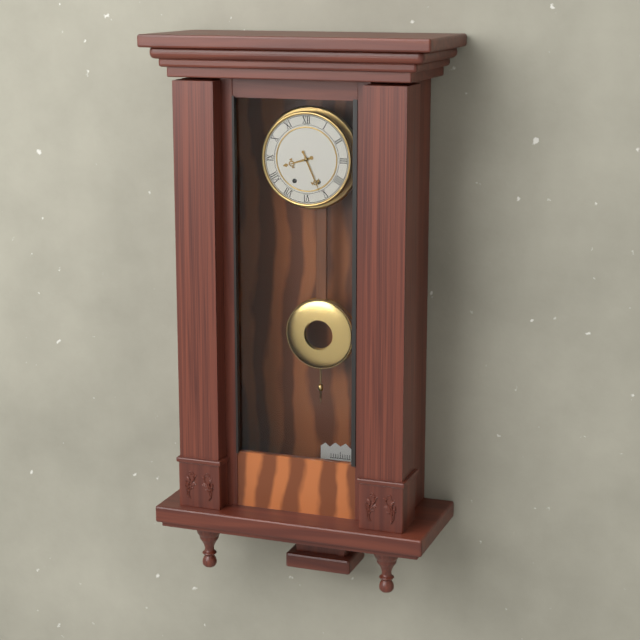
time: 8:26
